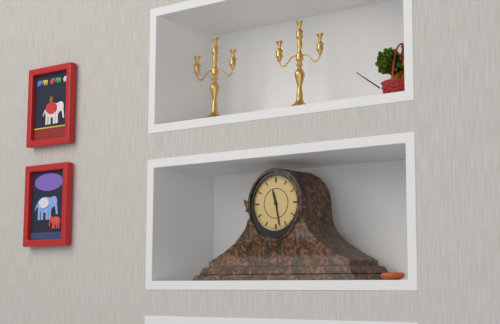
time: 11:28
